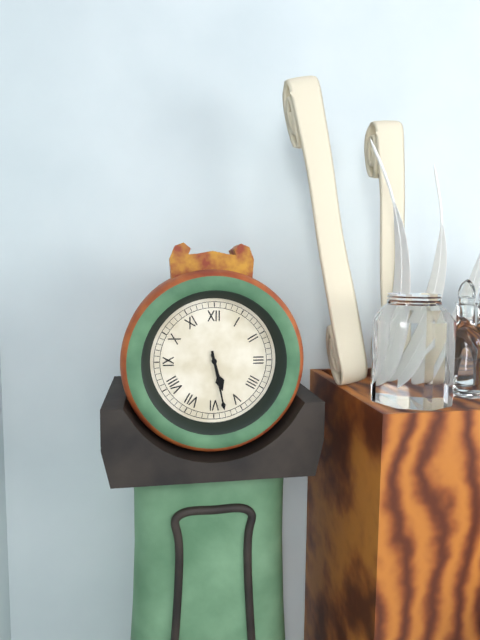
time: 5:28
